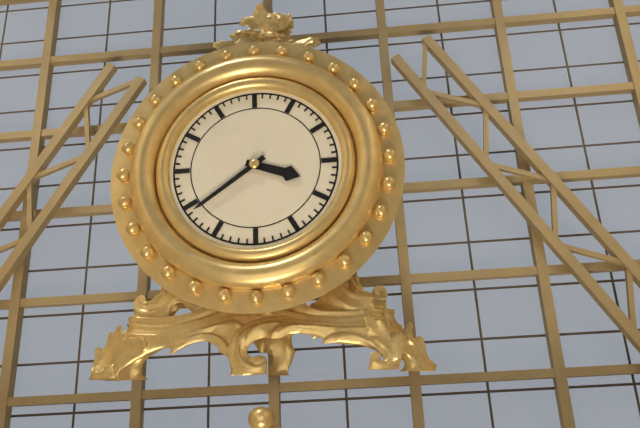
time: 3:39
